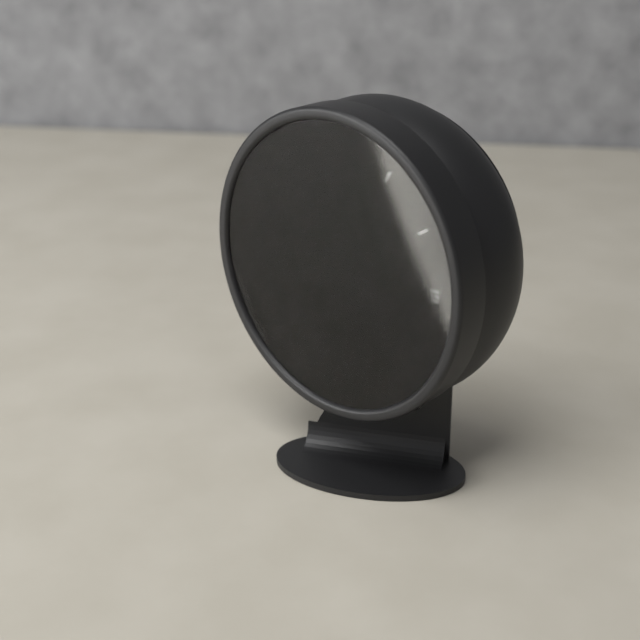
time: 11:38:40
